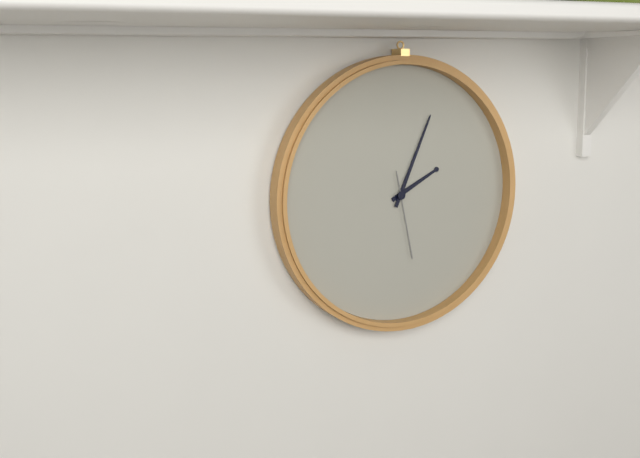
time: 2:04:28
